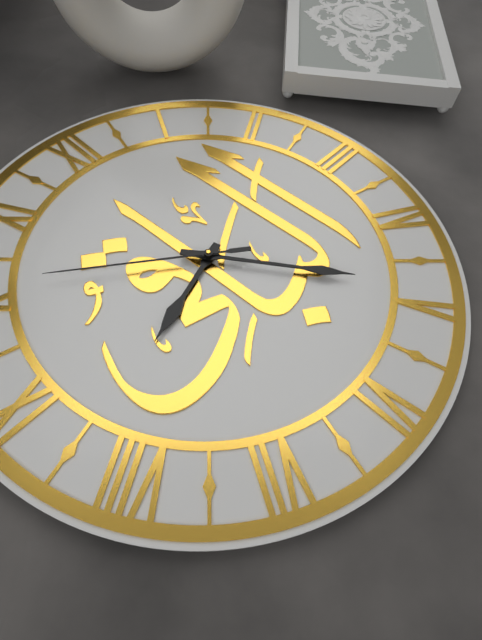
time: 8:24:51
